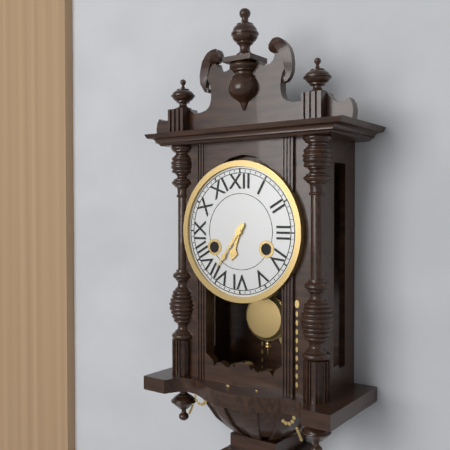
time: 6:36
